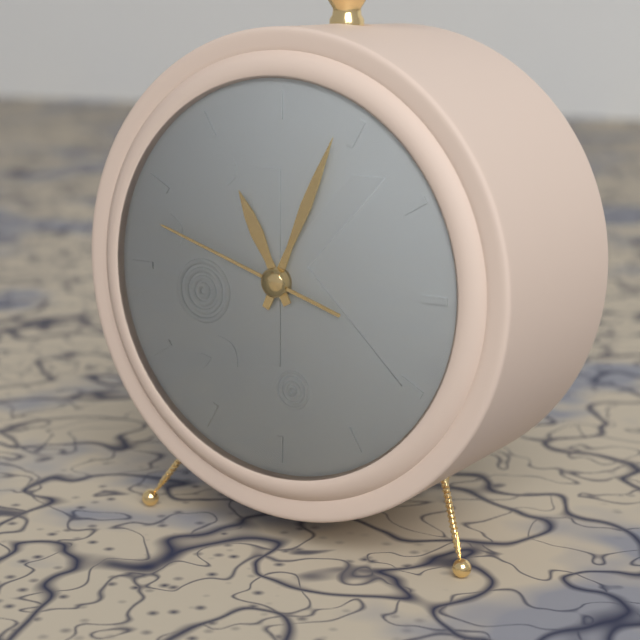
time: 11:04:48
